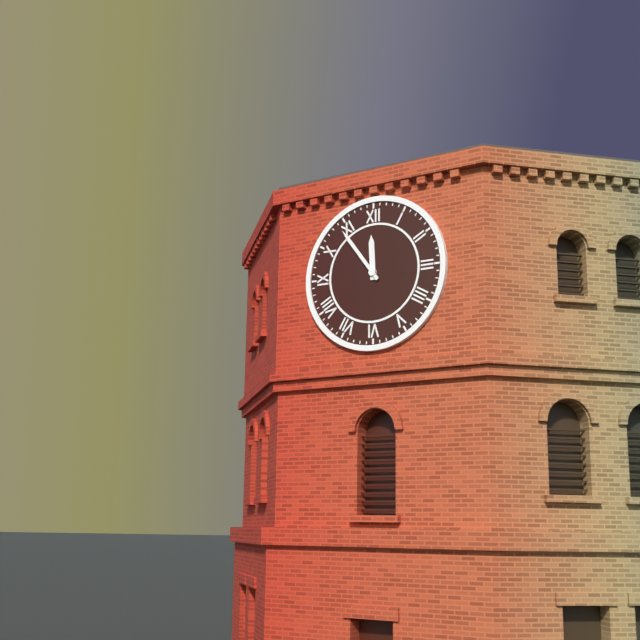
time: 11:54
